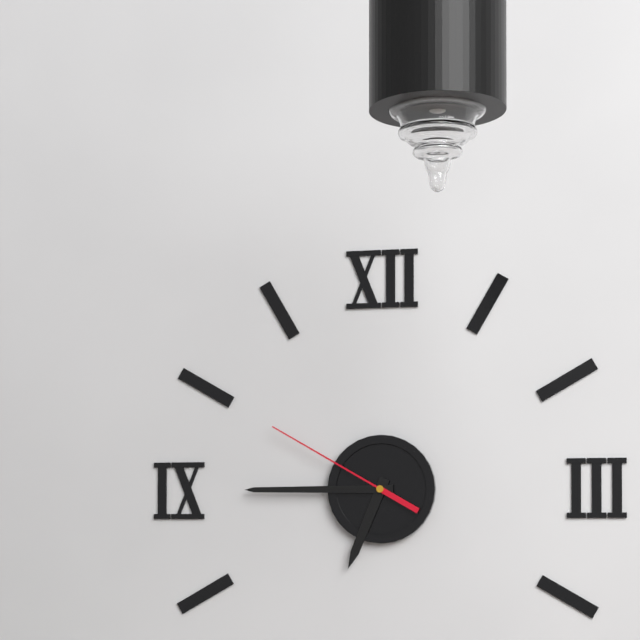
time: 6:45:50
